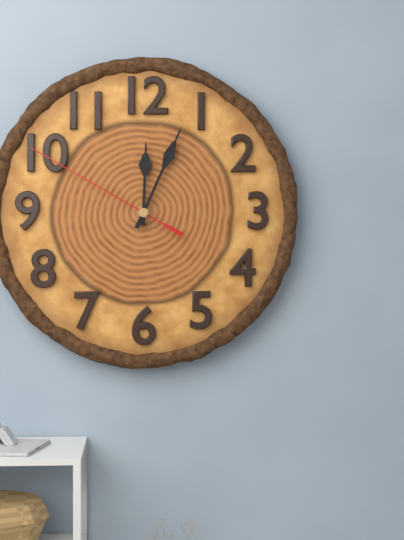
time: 12:04:50
